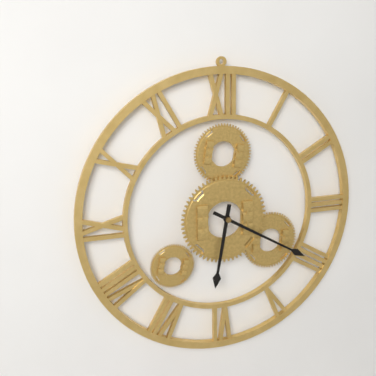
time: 6:20
